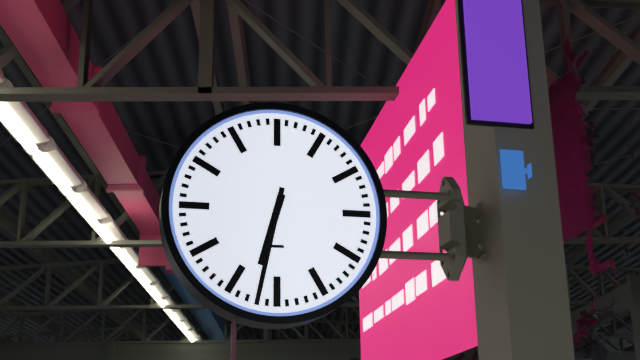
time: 6:32
